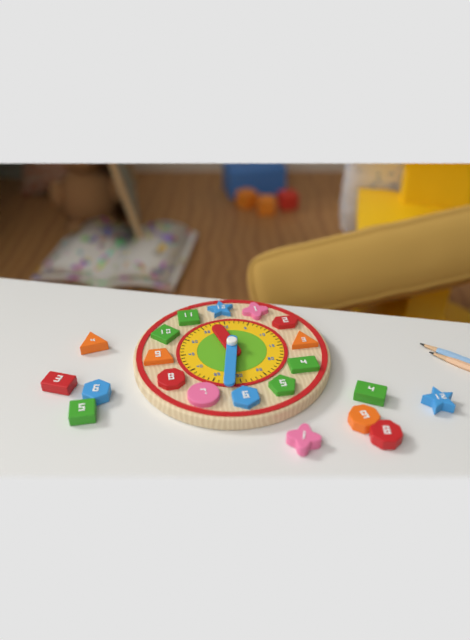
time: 11:32
